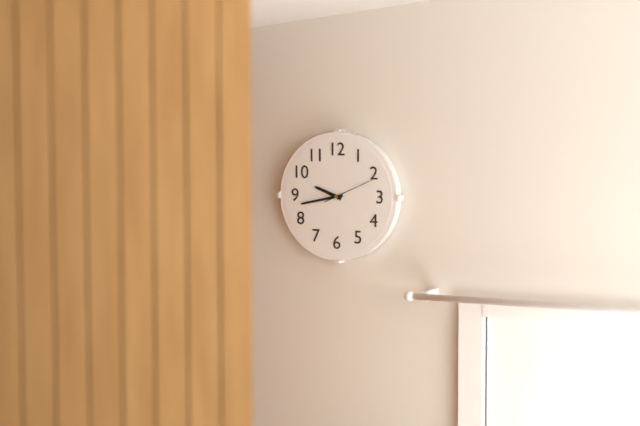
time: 9:43
